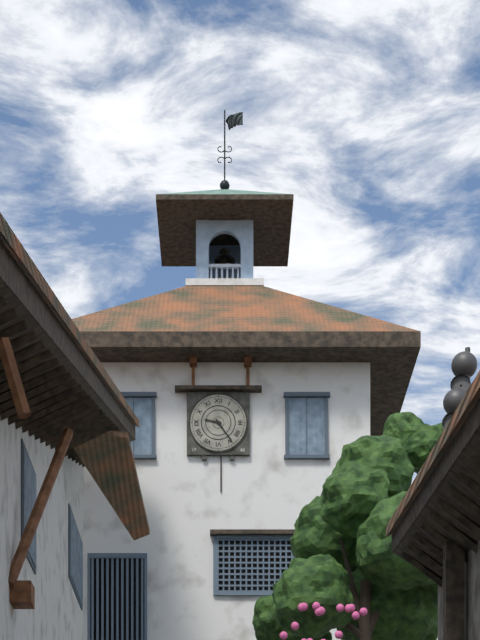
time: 9:24
